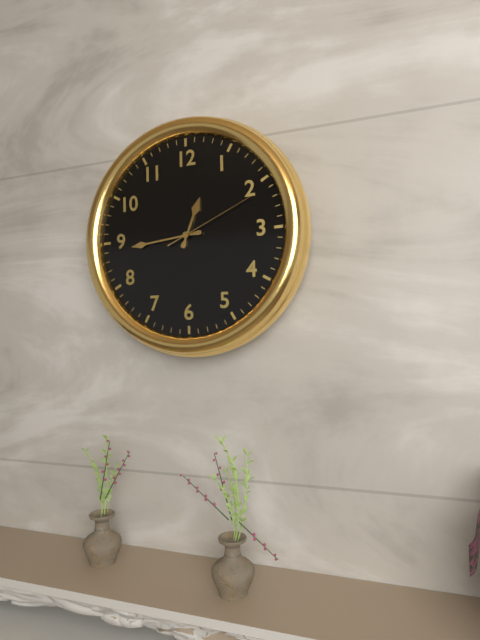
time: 12:44:11
